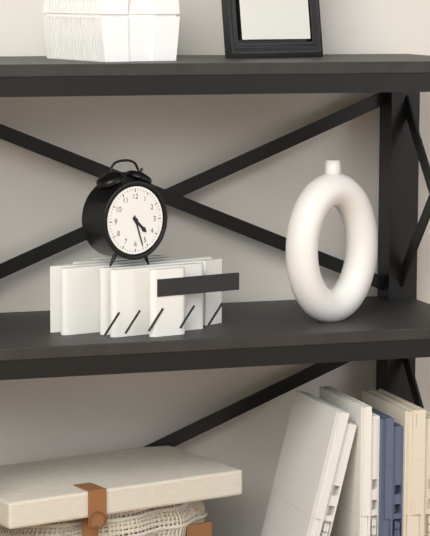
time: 4:27
